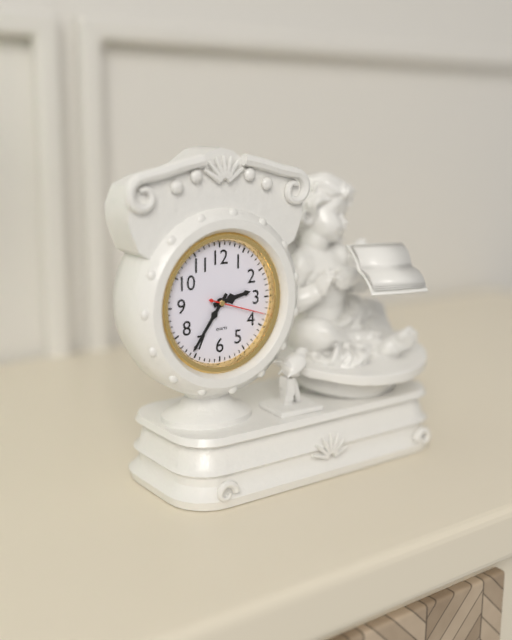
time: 2:36:18
